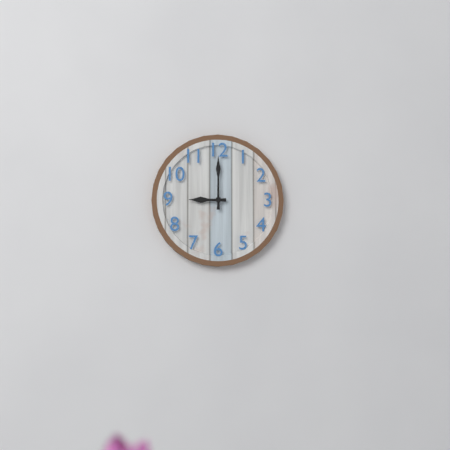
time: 9:00
